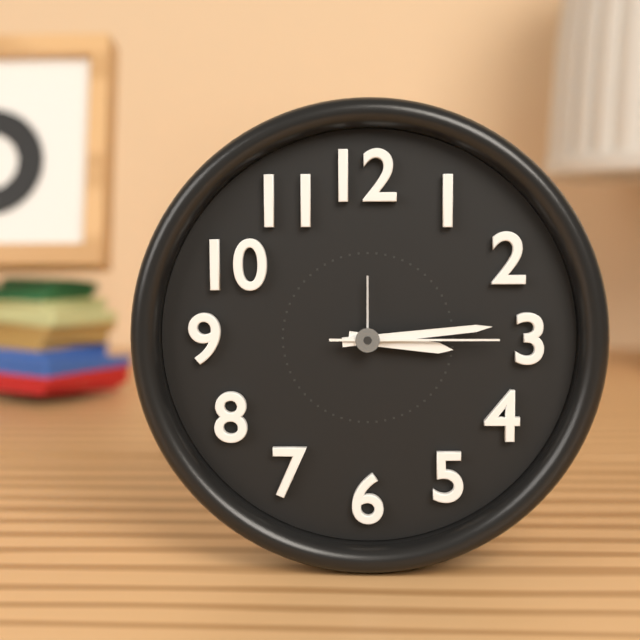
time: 3:14:15
